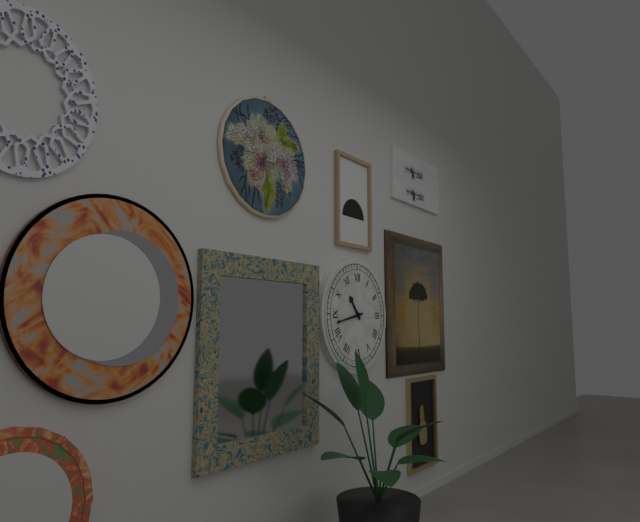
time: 10:43
